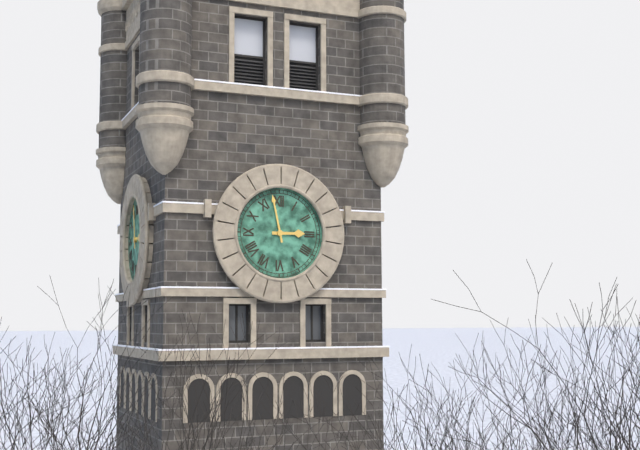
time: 2:58
